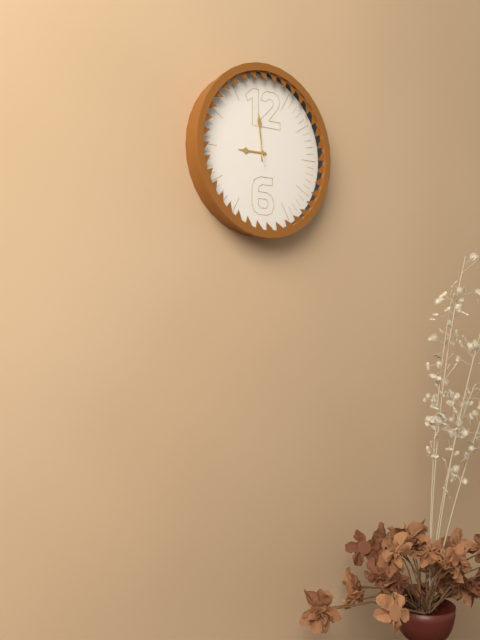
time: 8:59:58
